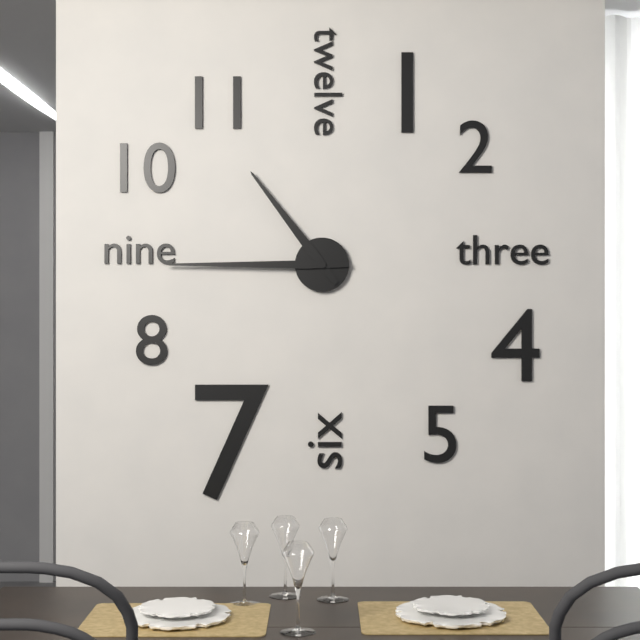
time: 10:45
